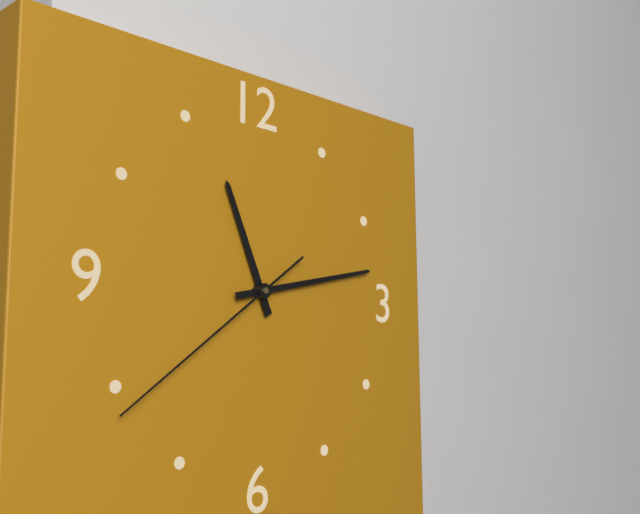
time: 11:13:39
